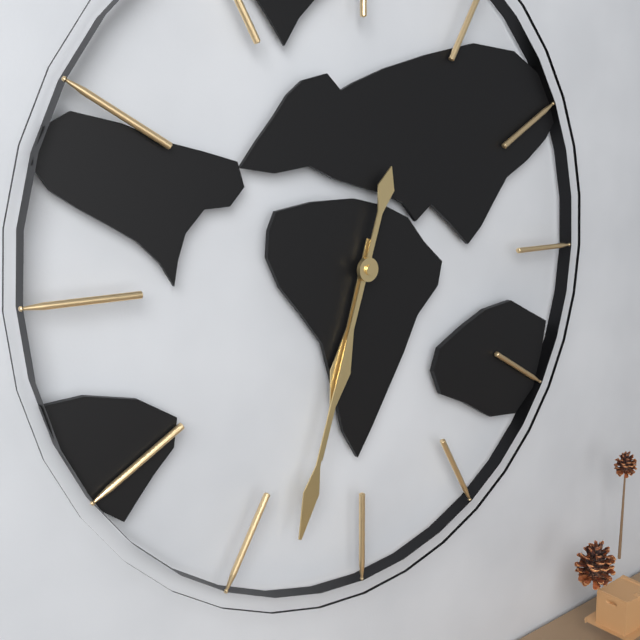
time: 6:33
